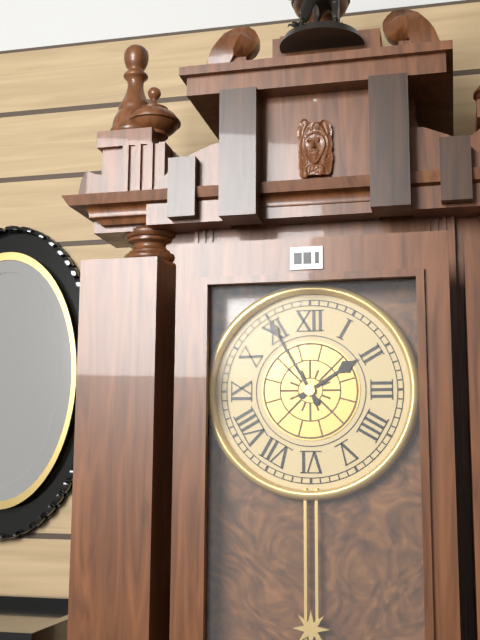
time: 1:55
